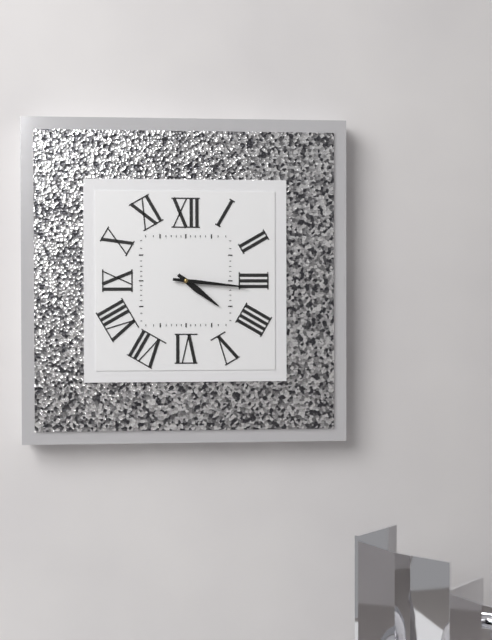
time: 4:16
